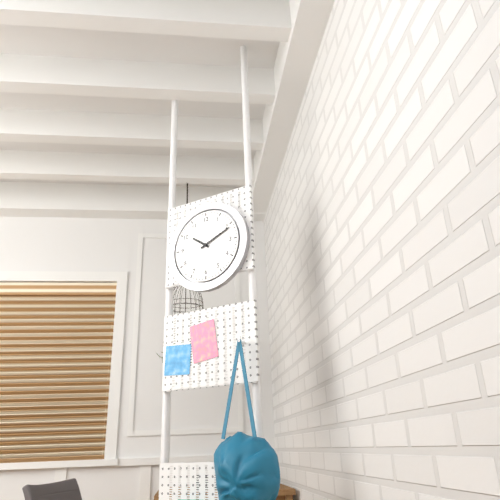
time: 10:11
